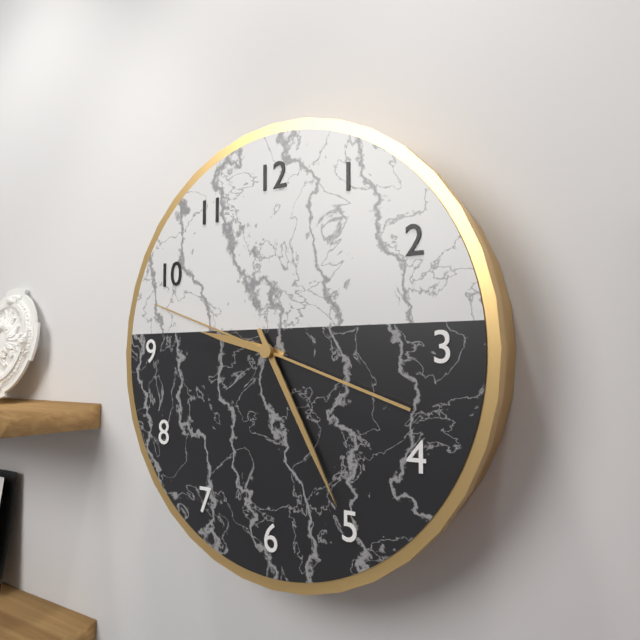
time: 9:25:48
